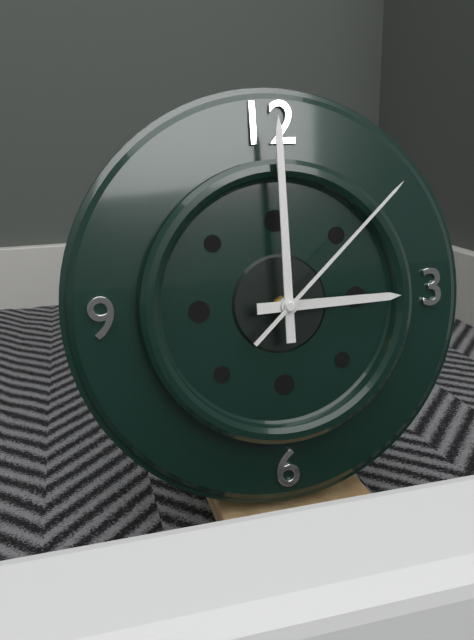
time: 3:00:08
